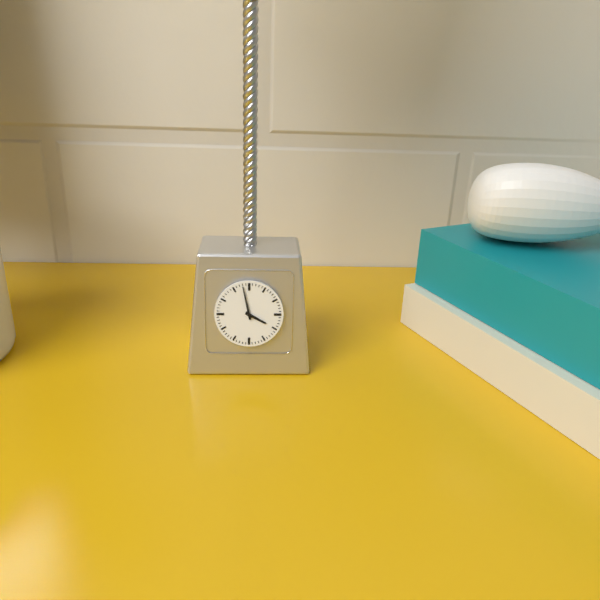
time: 3:58
